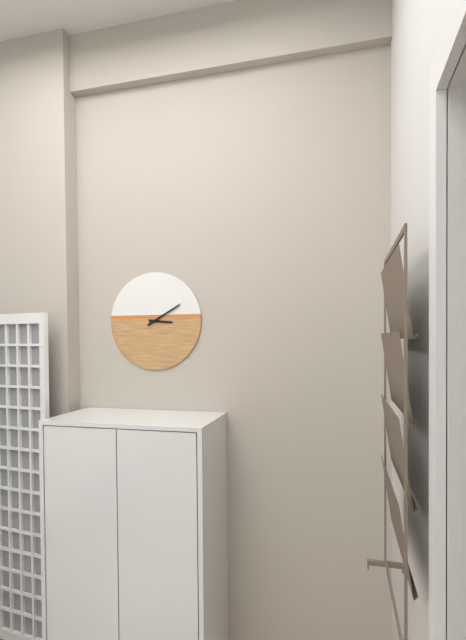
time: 3:10
